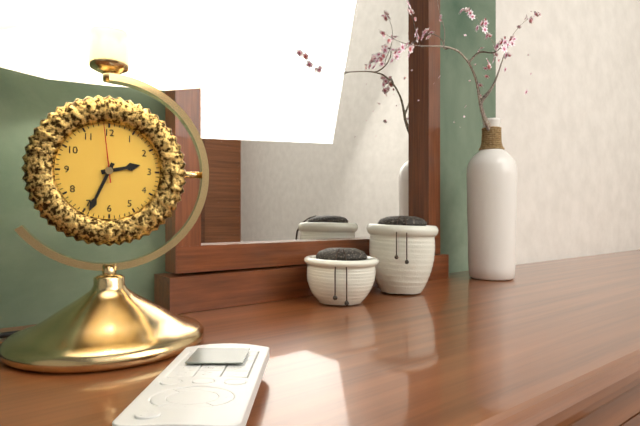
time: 2:34:59
